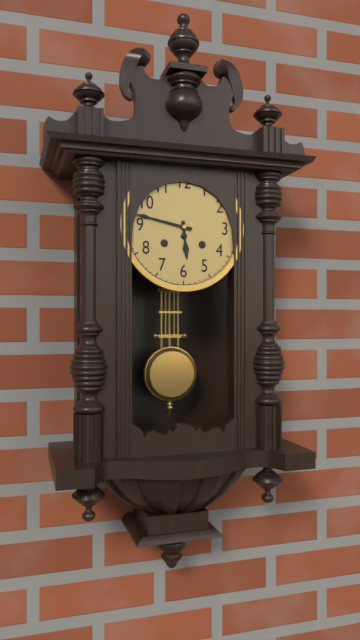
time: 5:47
